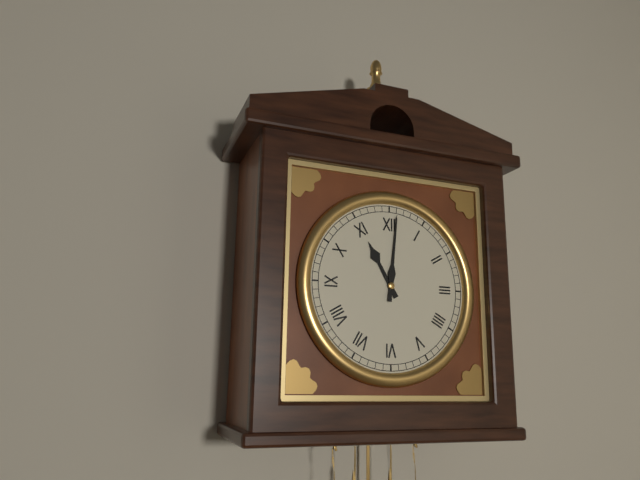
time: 11:01
